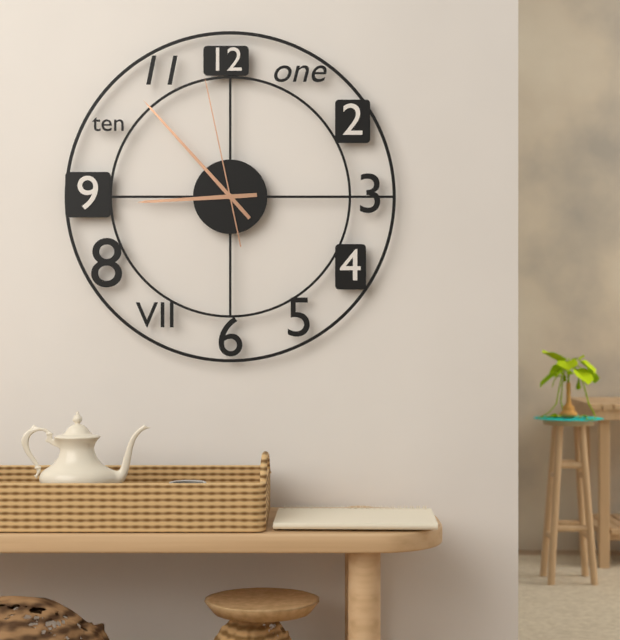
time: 8:53:58
